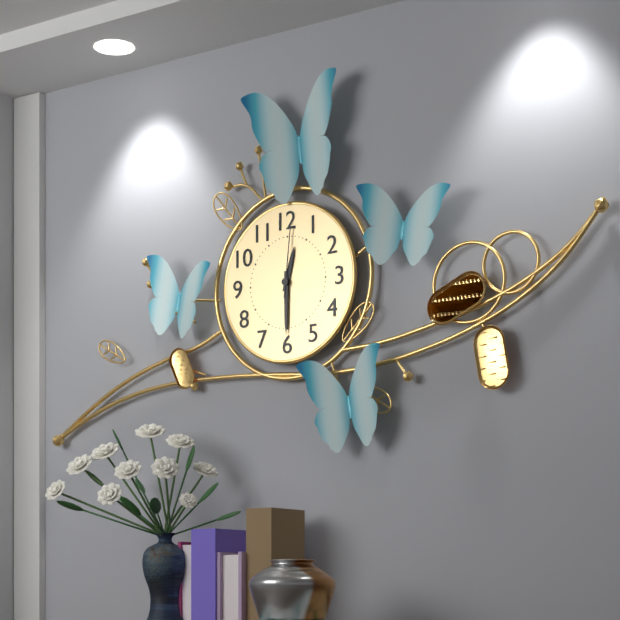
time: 12:30:01
